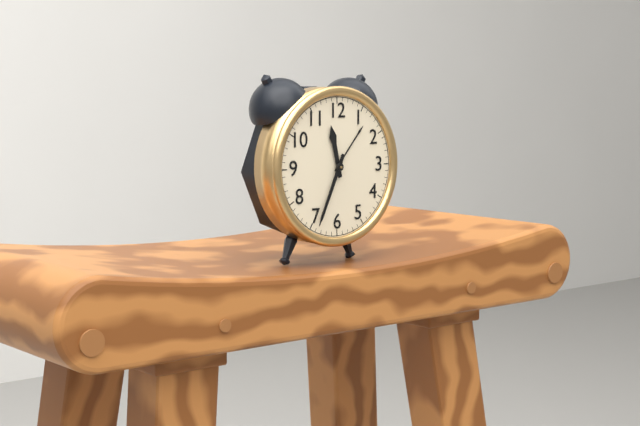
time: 11:34
